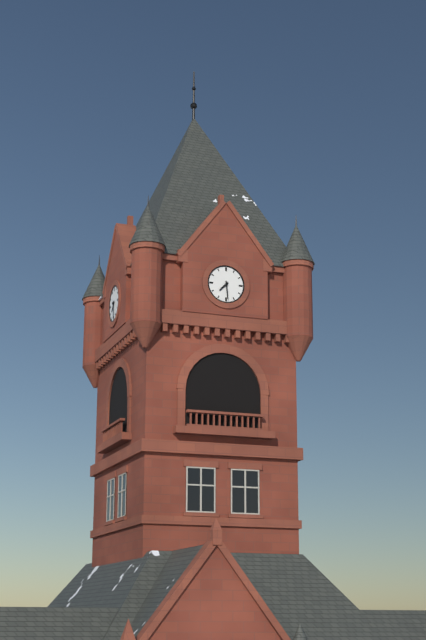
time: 7:29
